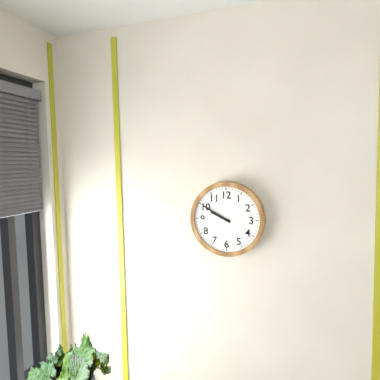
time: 9:50
